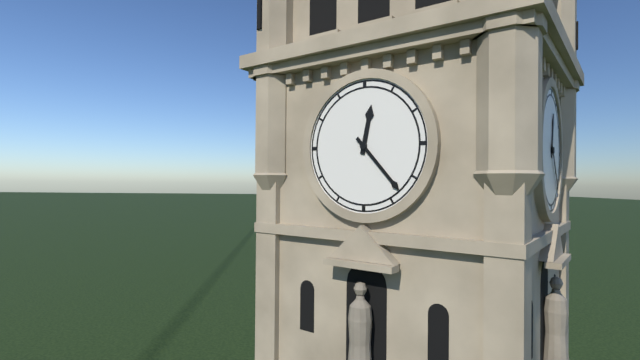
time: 12:23
